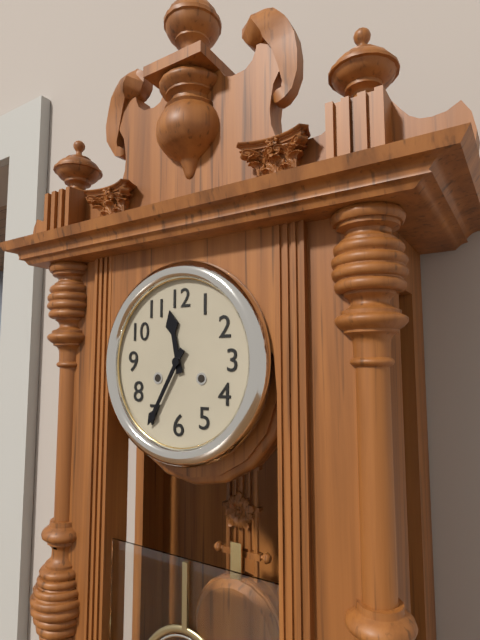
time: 11:35
